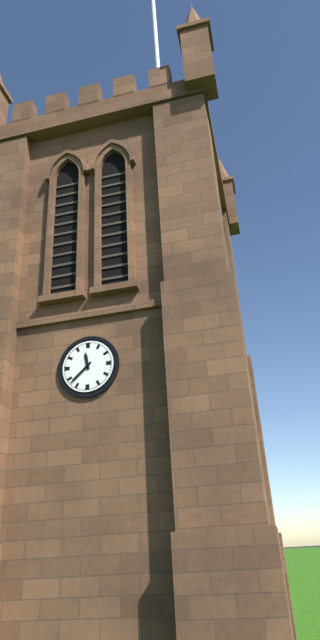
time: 11:38
